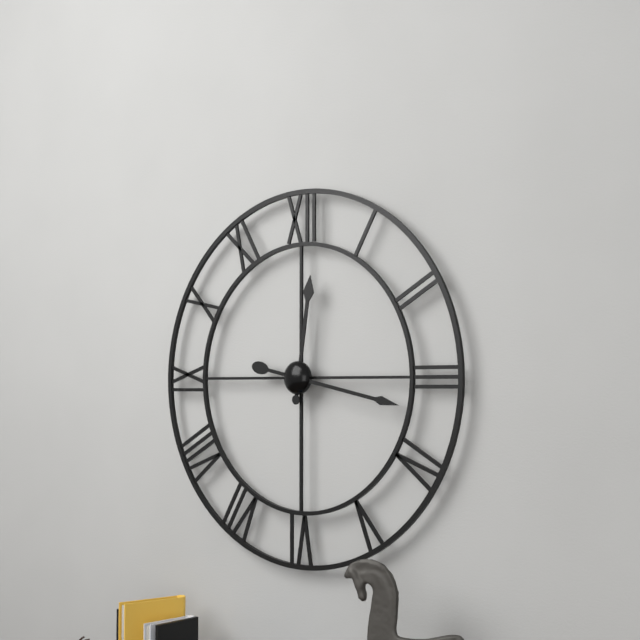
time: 12:17
